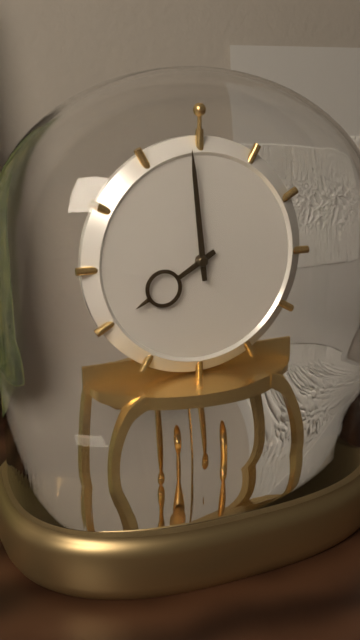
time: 7:59
